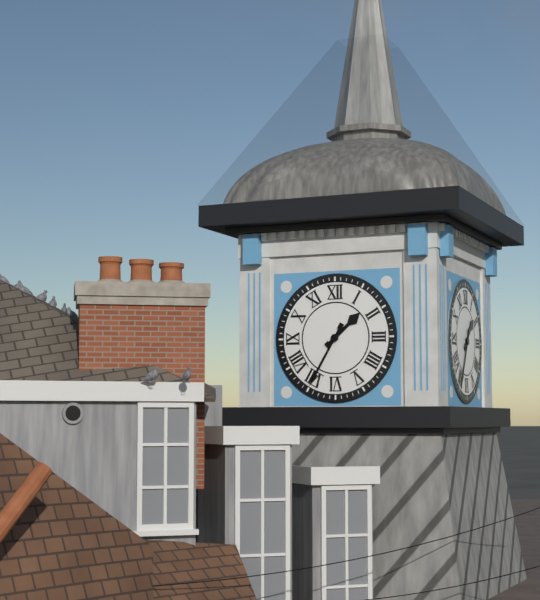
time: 1:35
